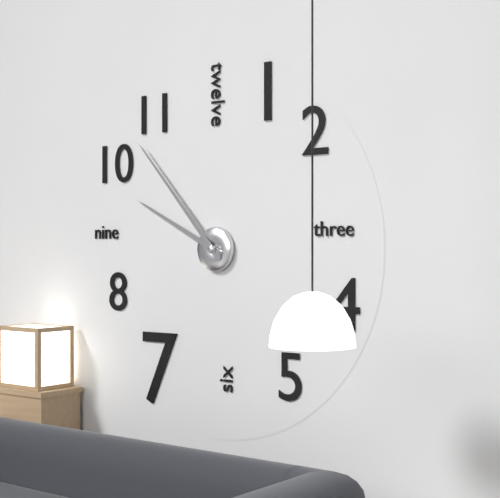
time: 9:53
